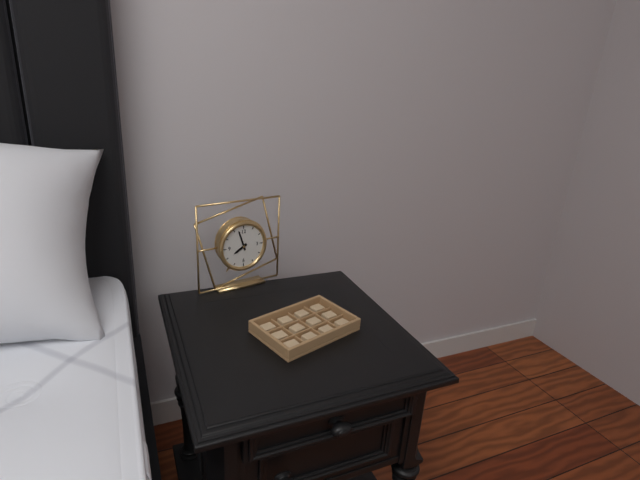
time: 7:57
